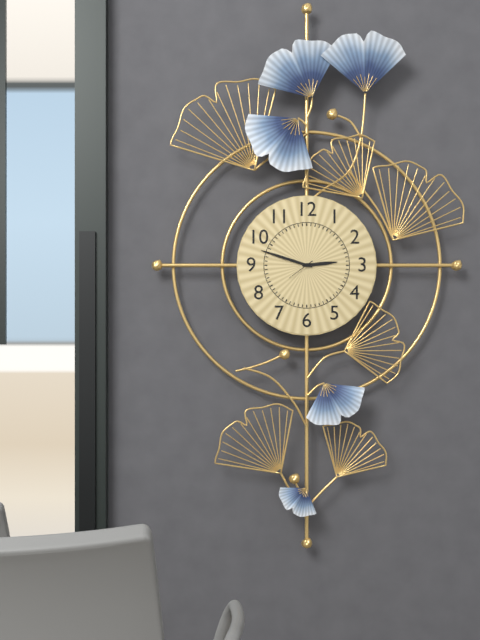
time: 2:48
